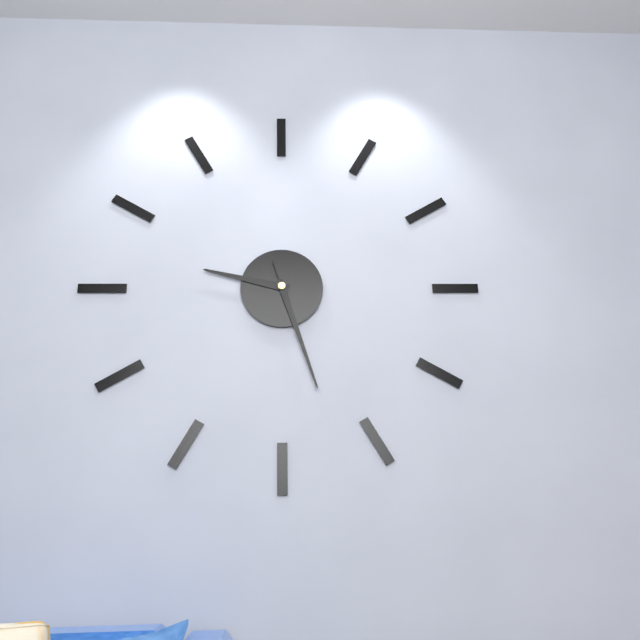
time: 9:27:27
